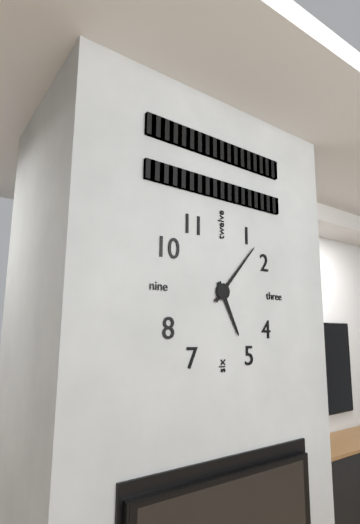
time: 5:07
